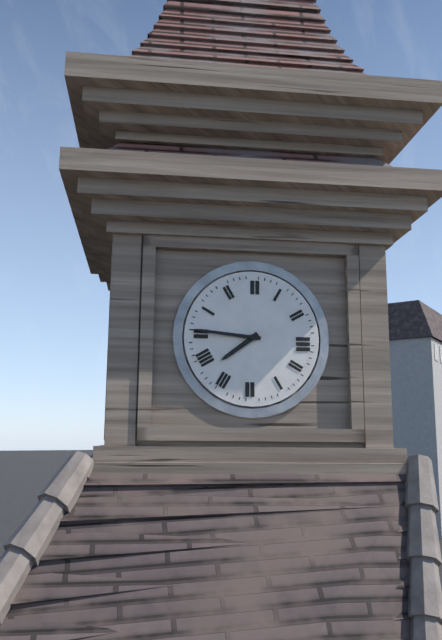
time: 7:46
